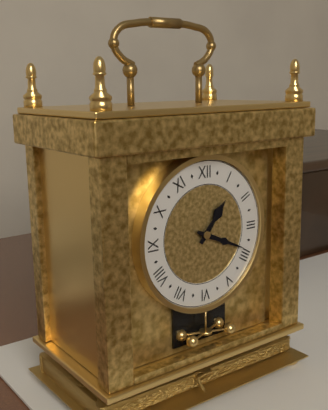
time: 1:19
